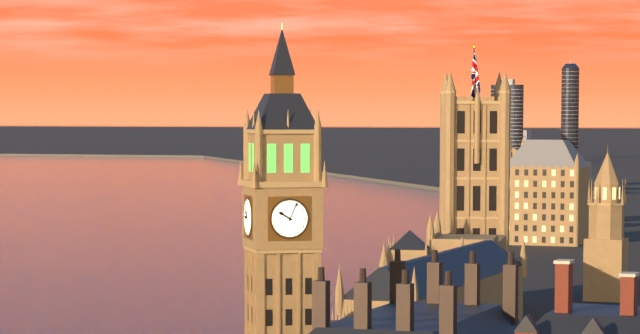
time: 10:04
